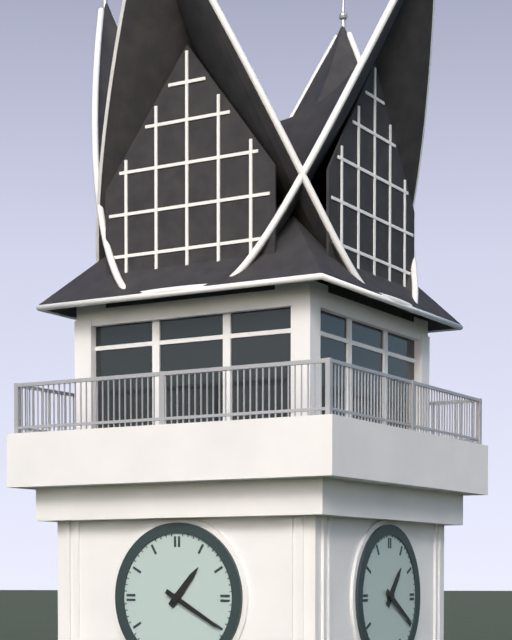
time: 1:20
